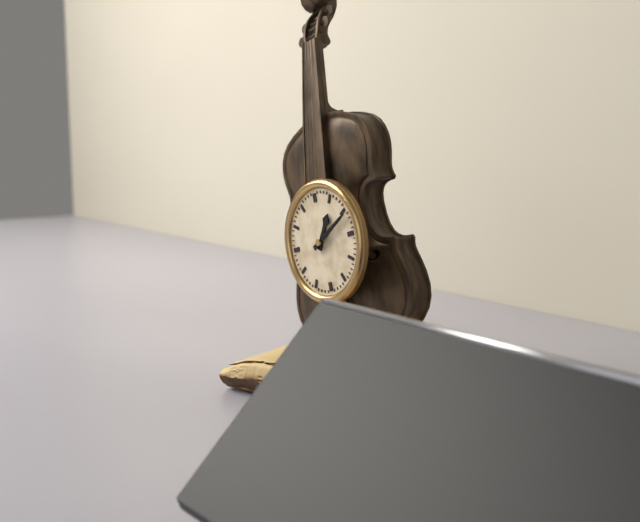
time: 1:11
